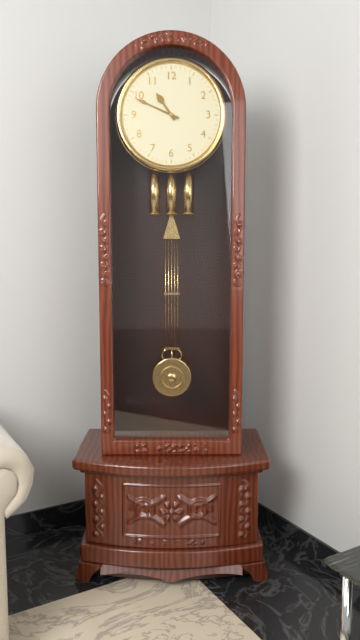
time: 10:49
